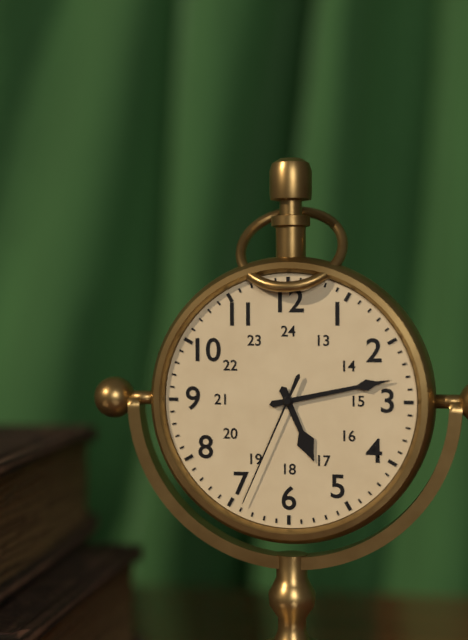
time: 5:13:34
